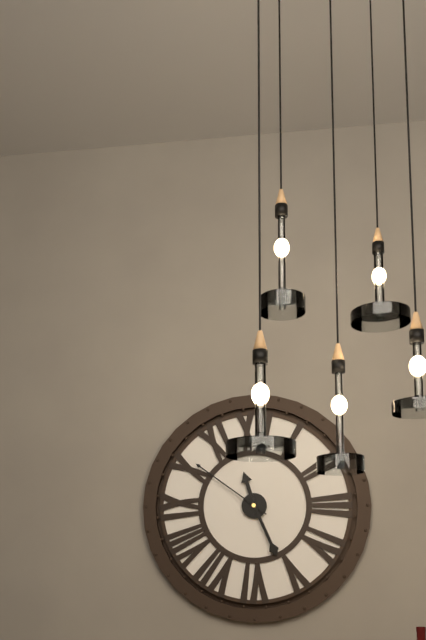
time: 11:26:51
